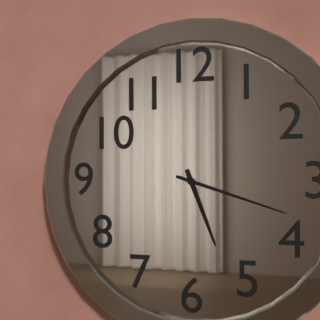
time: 5:18
